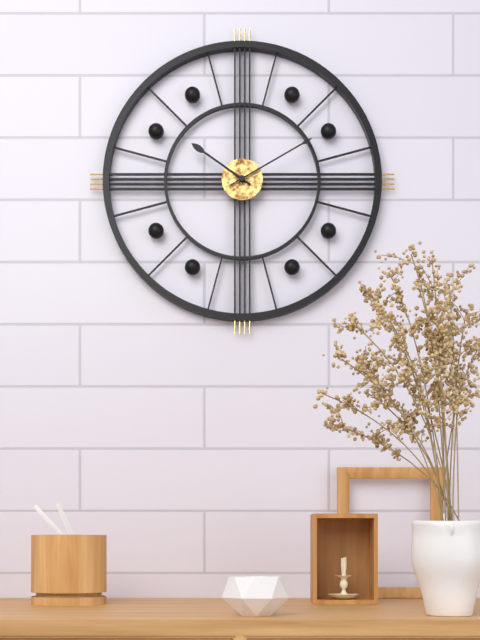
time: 10:10
